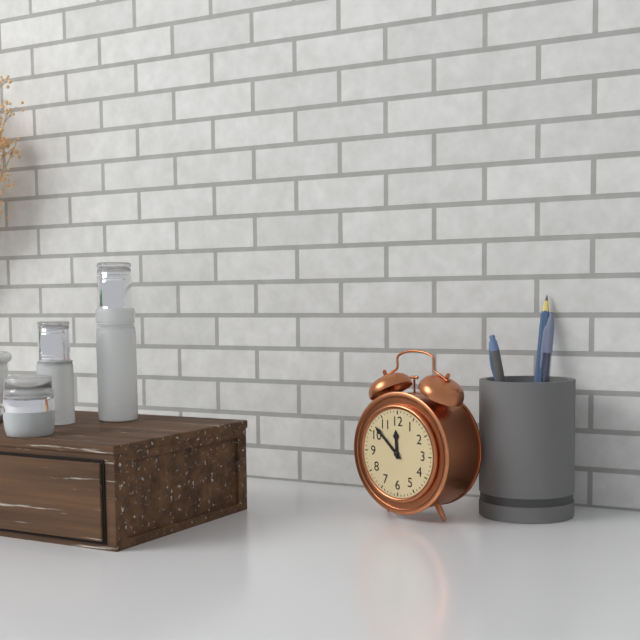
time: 11:52
